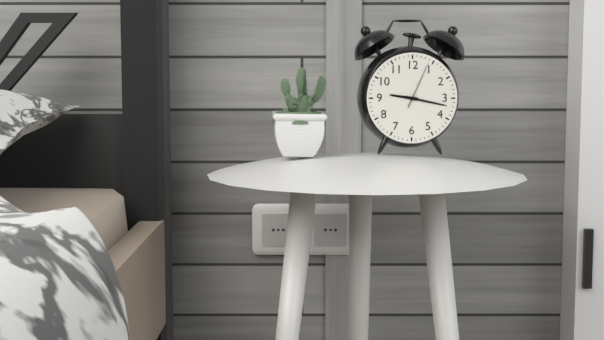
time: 9:17
